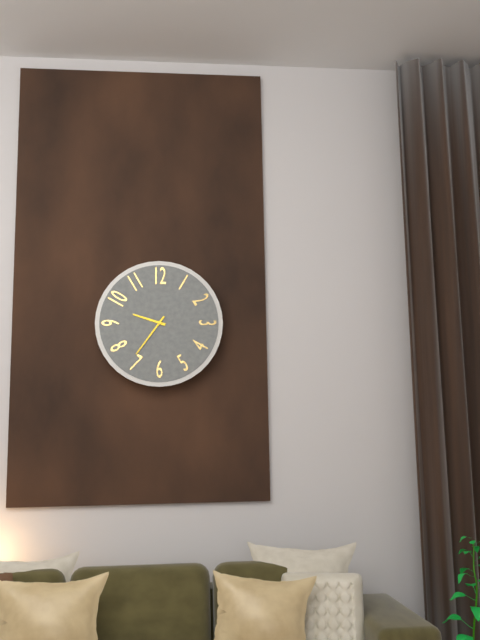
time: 9:36
